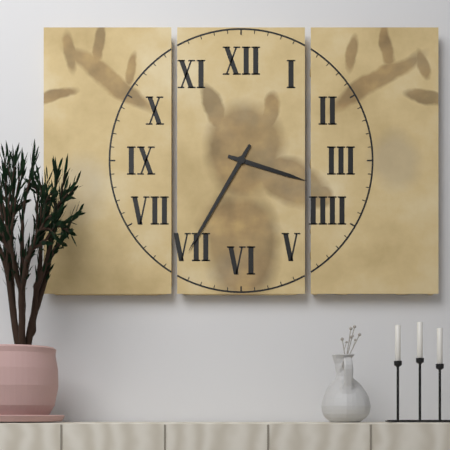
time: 3:35
